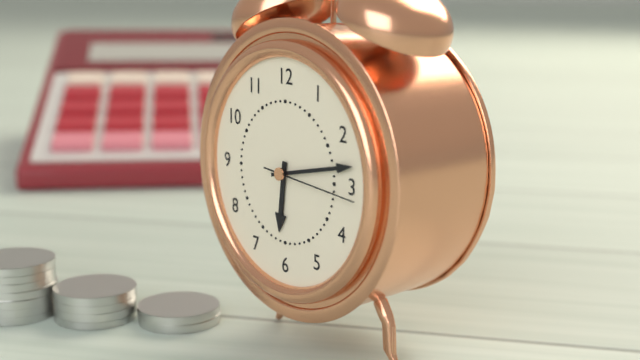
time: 6:13:16
